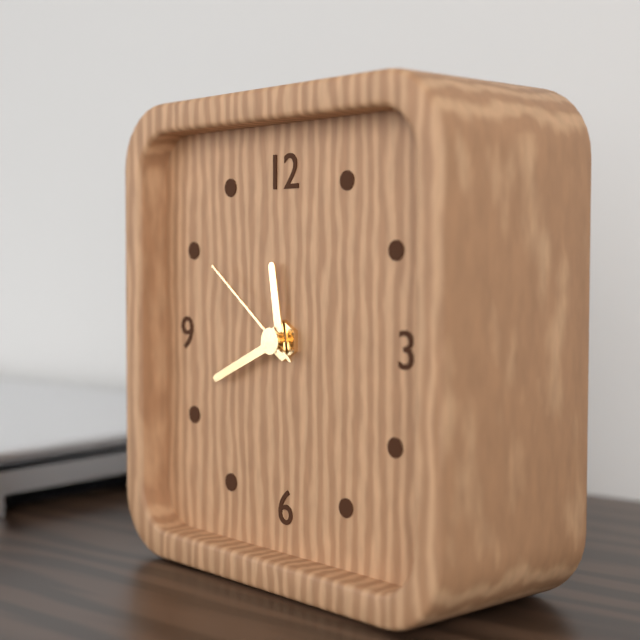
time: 11:41:51
